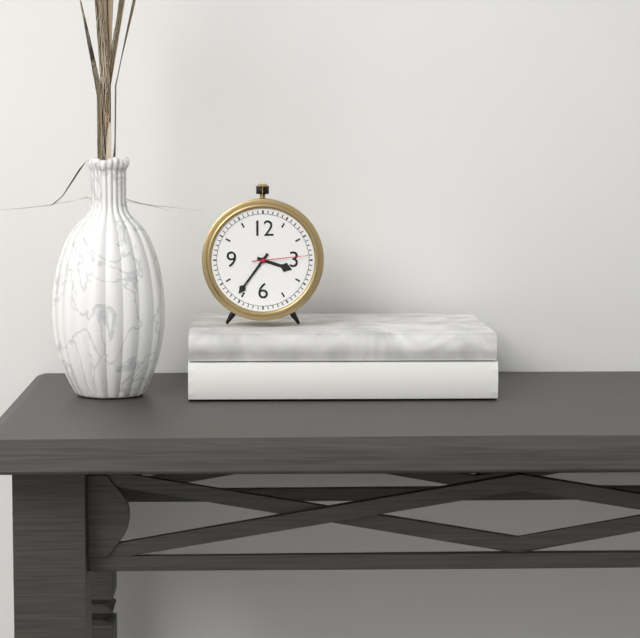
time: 3:36:14
